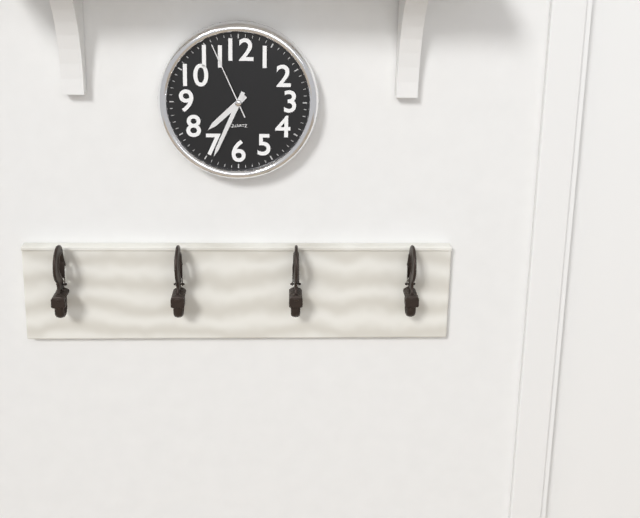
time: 7:34:56
